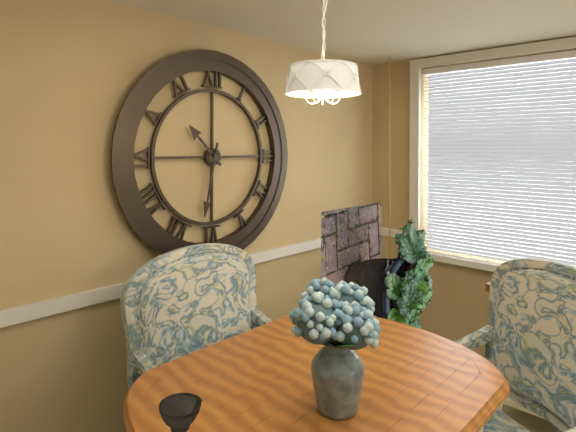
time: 10:32
